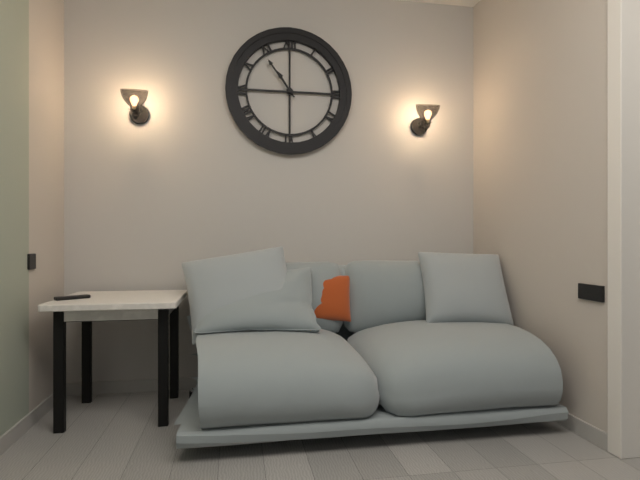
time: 10:54
